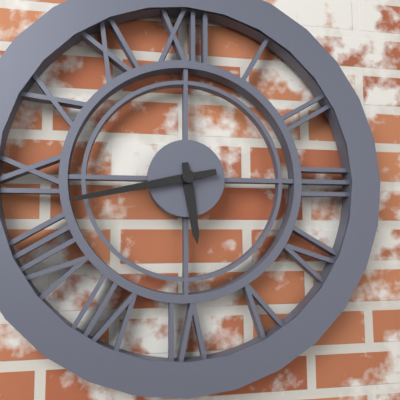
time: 5:43
